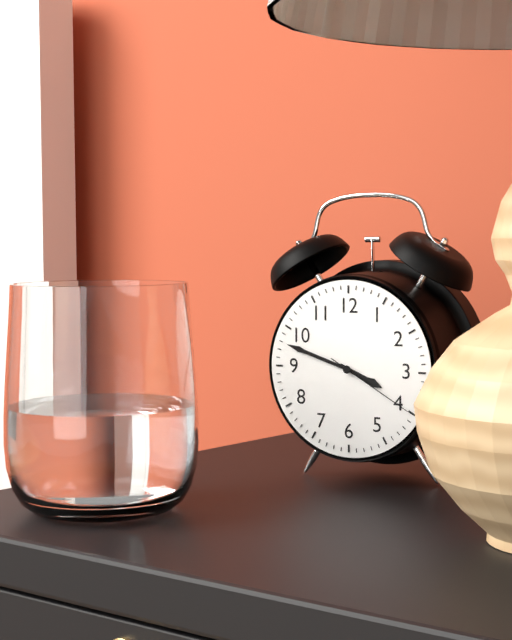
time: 3:48:20
